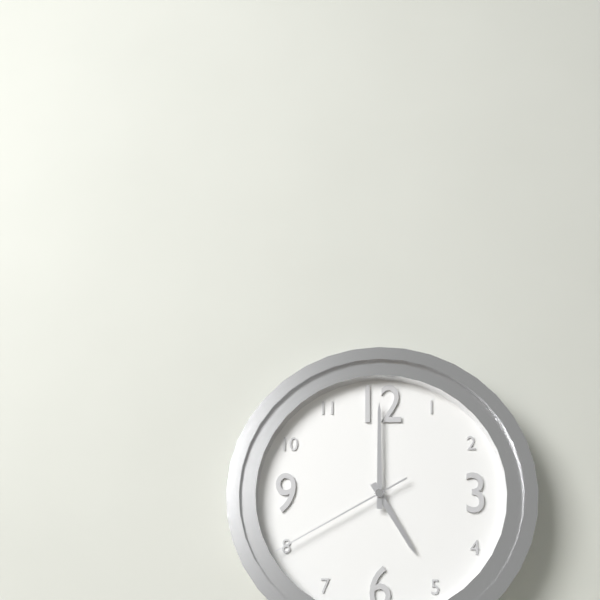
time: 5:00:40
